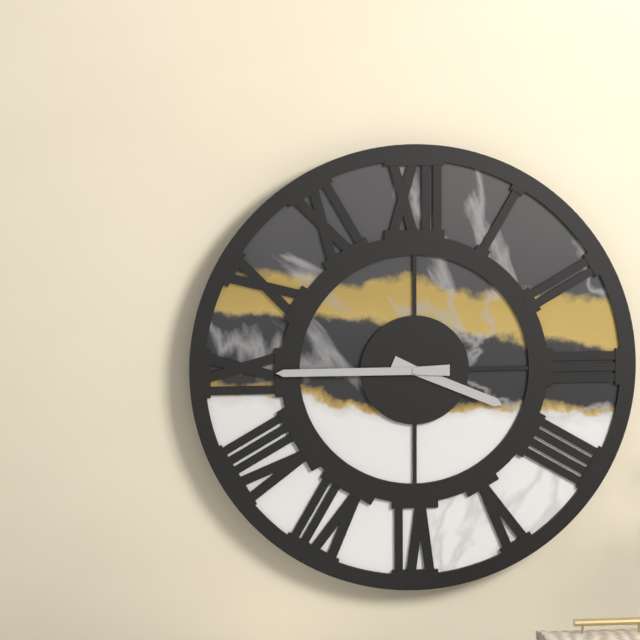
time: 3:45
